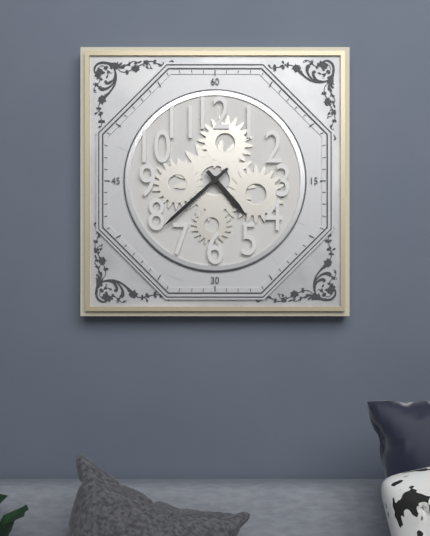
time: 4:38
